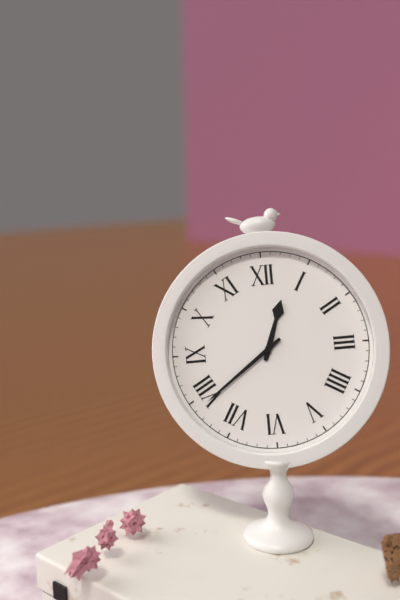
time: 12:39
